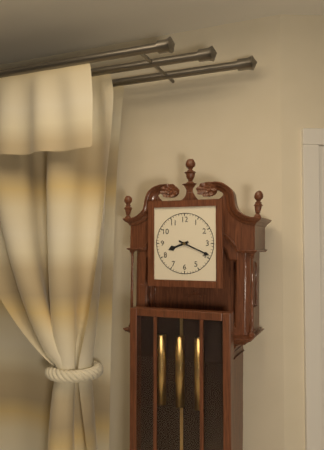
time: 8:19
